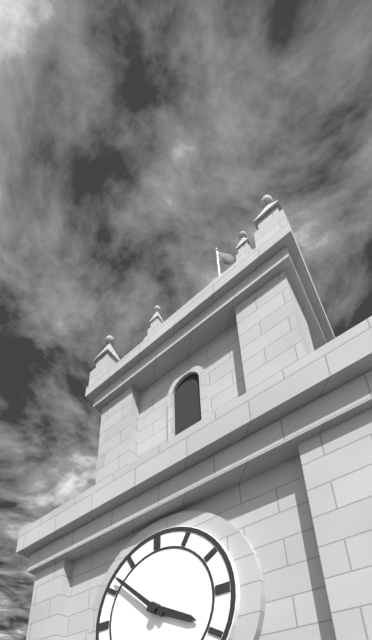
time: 3:52
